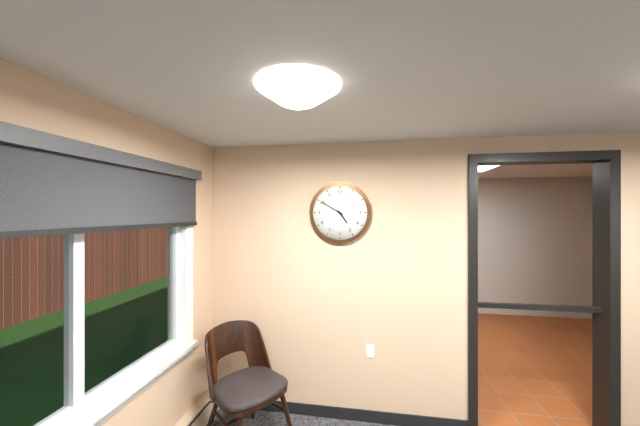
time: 4:50
